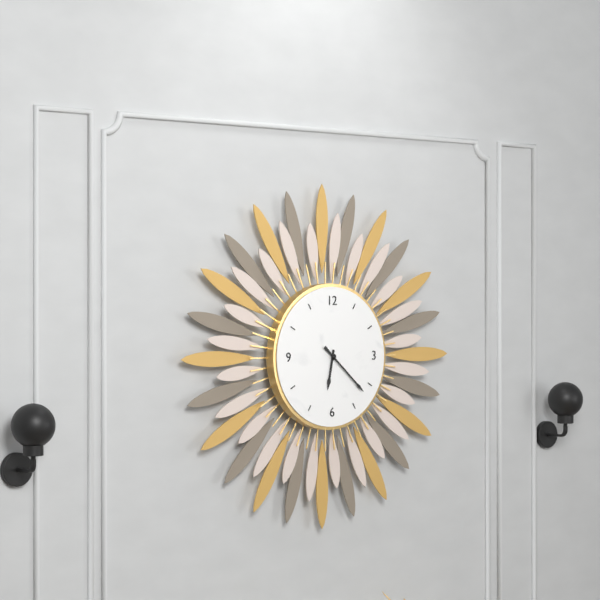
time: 6:22
